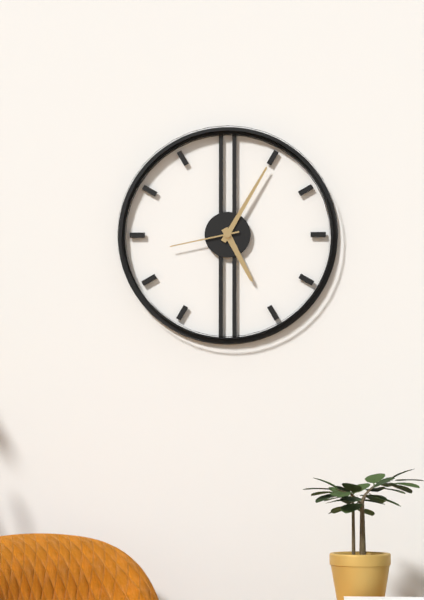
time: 5:05:43
